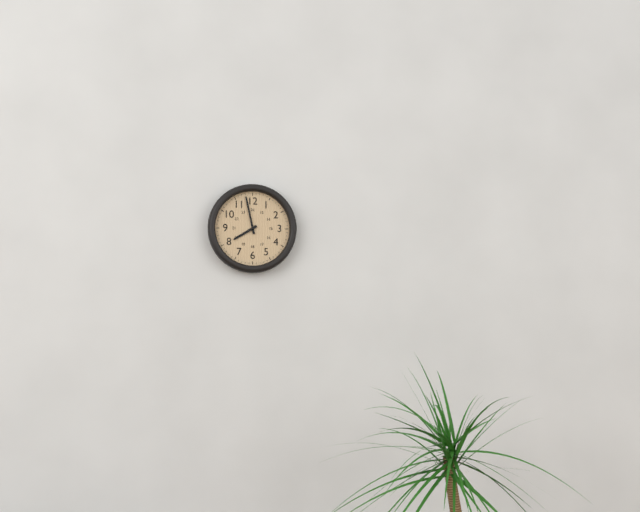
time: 7:58
